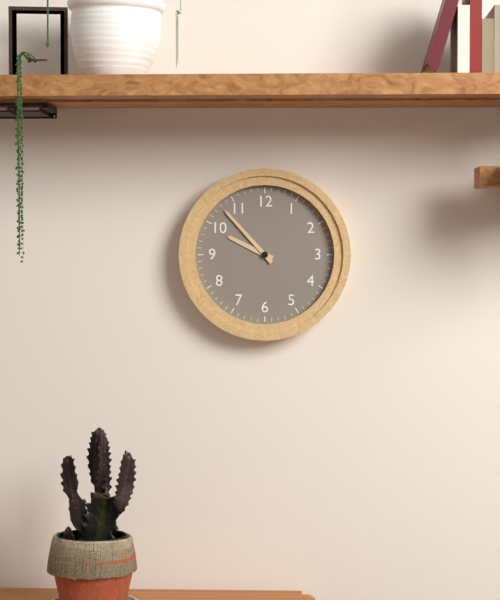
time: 9:53
